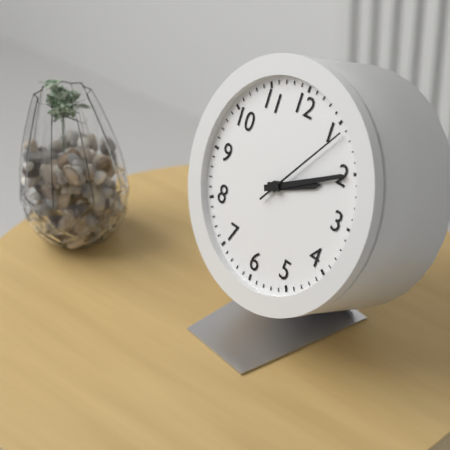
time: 2:10:06
